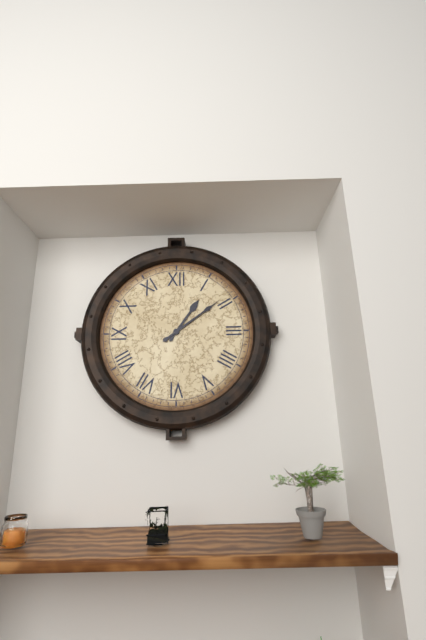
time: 1:09
